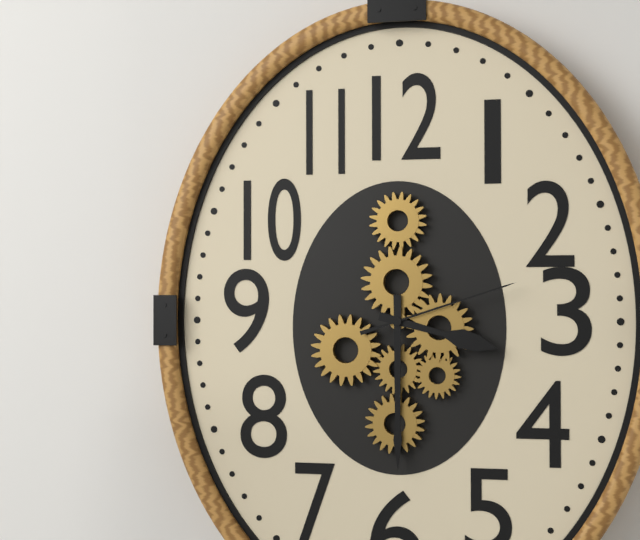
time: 3:30:12
